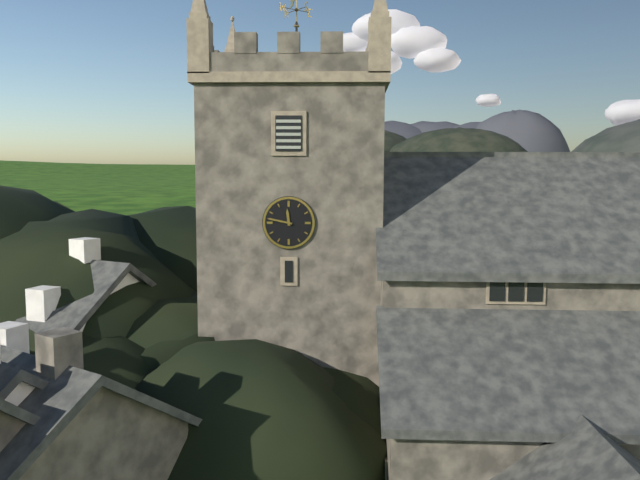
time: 11:47
